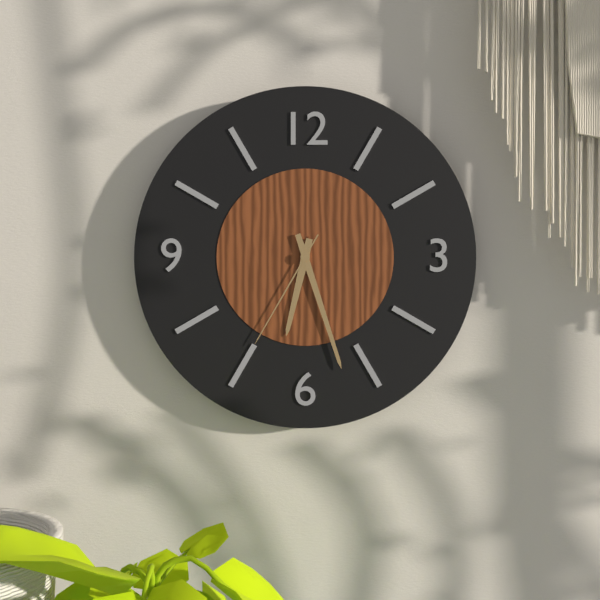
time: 6:27:35
